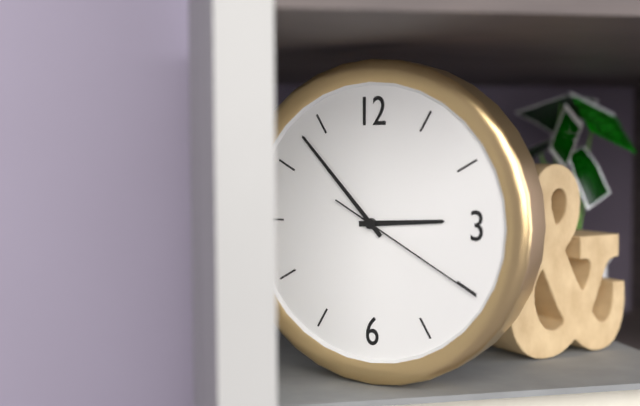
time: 2:53:20
